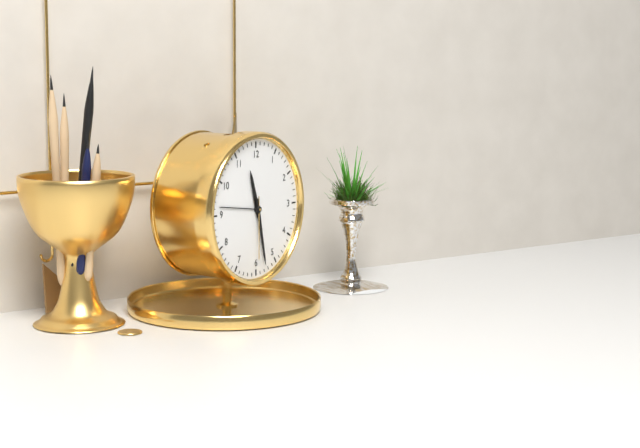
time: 11:28:30
